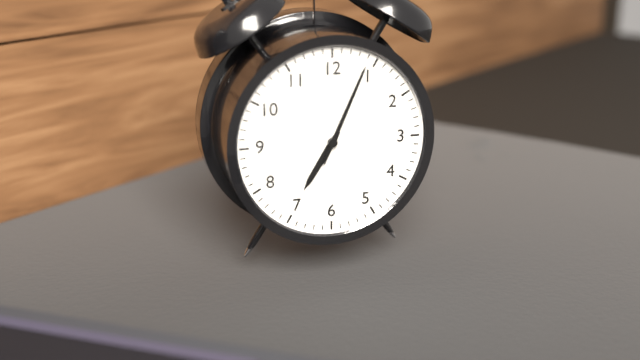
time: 7:04
